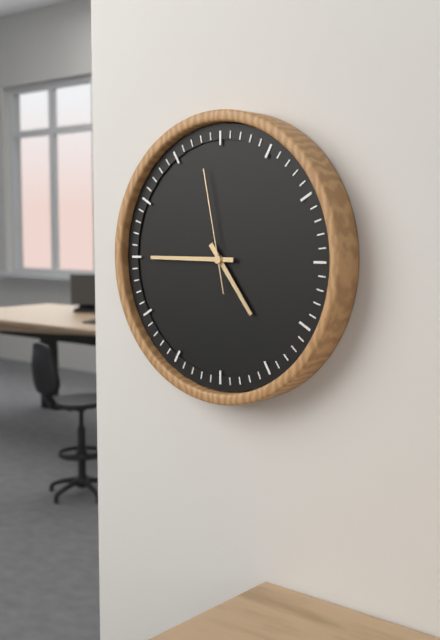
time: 4:45:58
